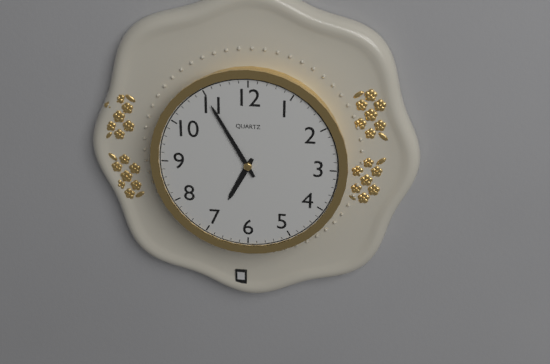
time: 6:55
